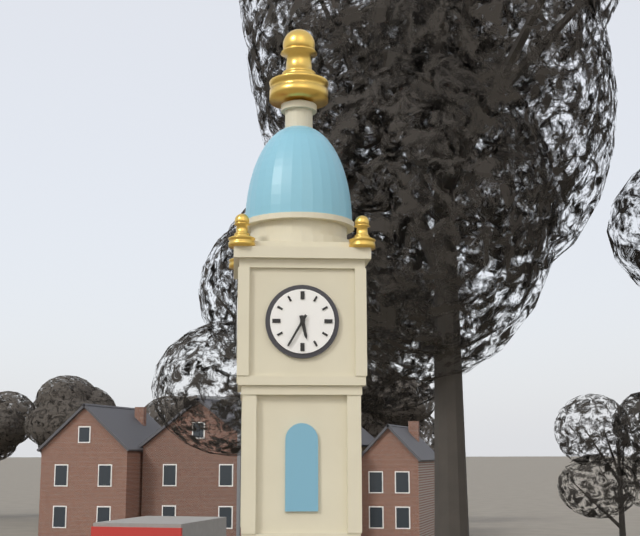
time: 5:35
